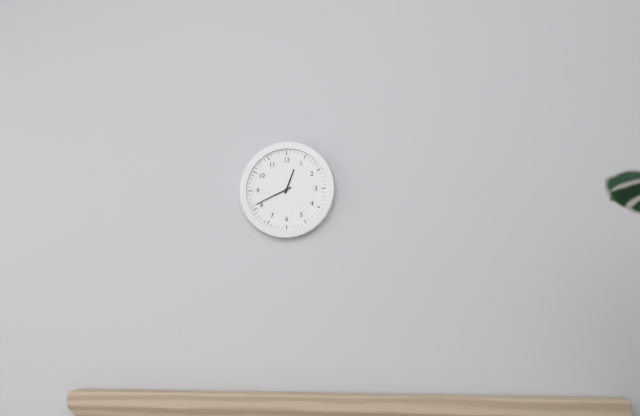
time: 12:41
